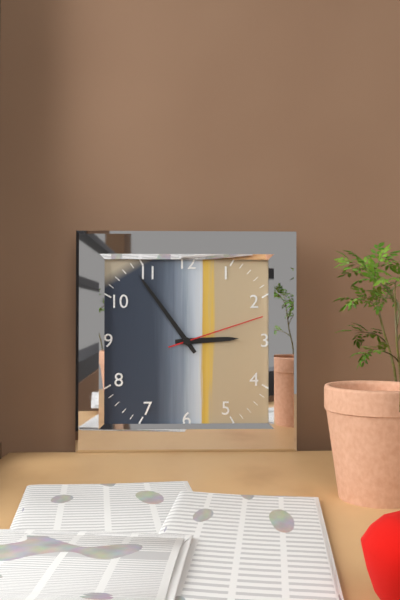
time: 2:54:12
